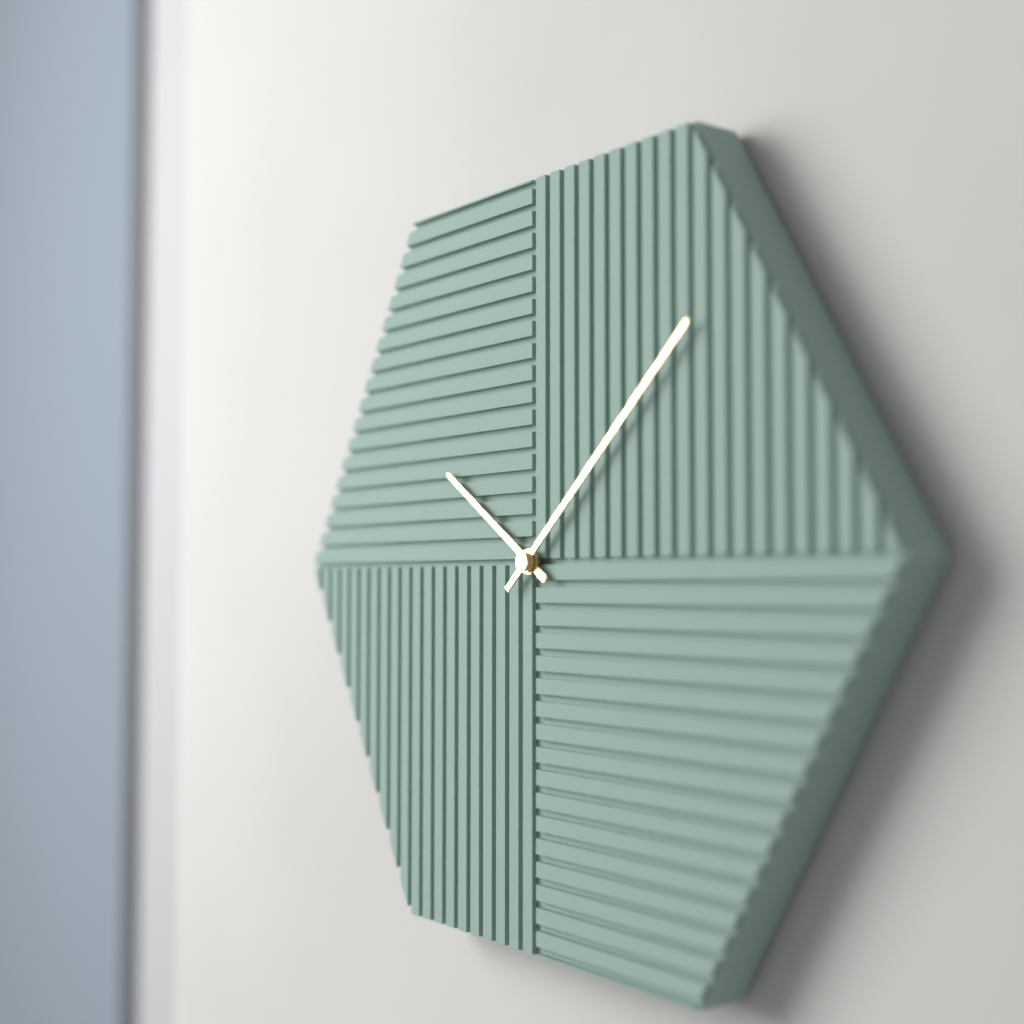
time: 10:08
